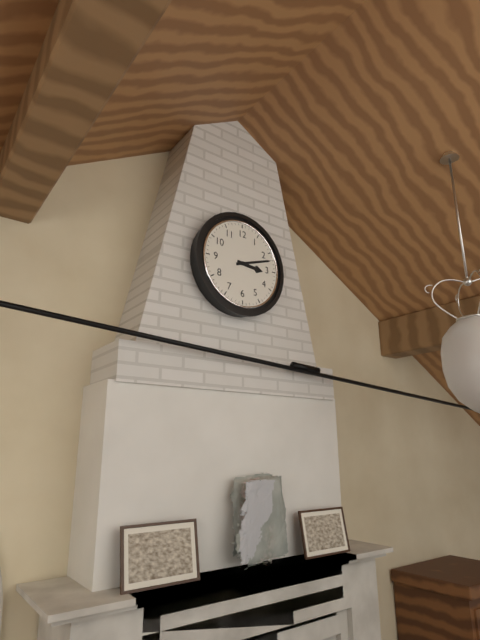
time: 3:12
